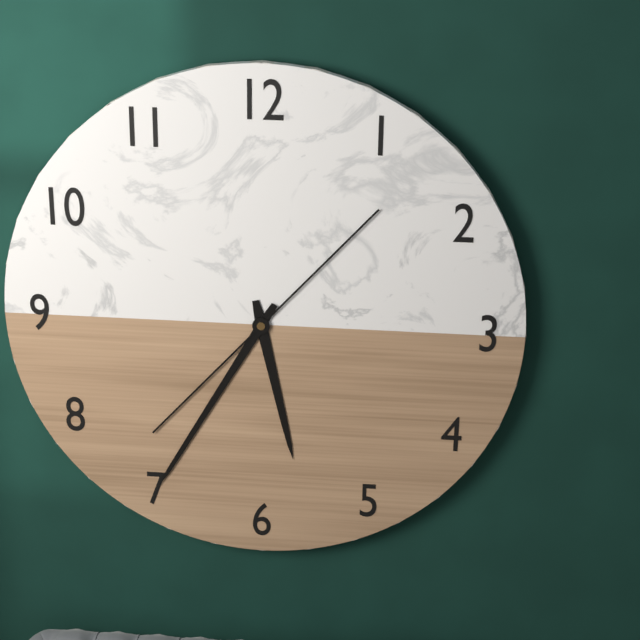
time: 5:35
